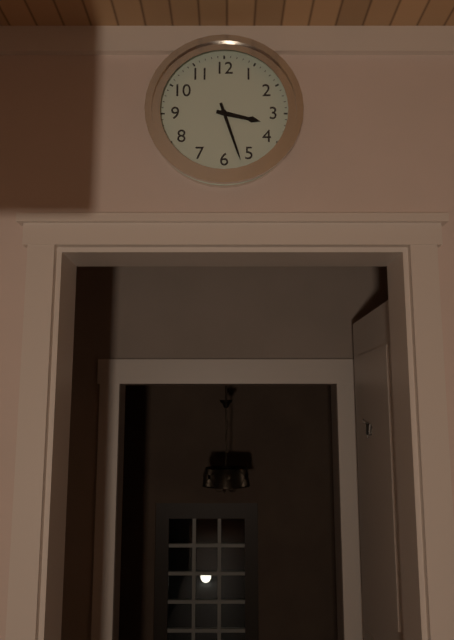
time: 3:27
